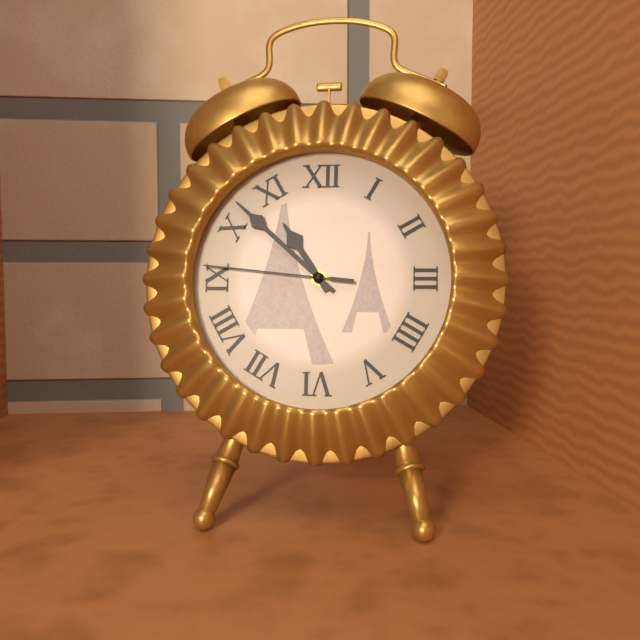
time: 10:52:46
